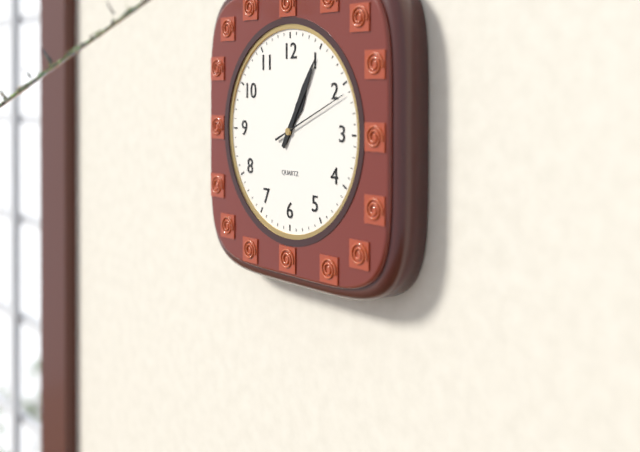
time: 1:05:11
